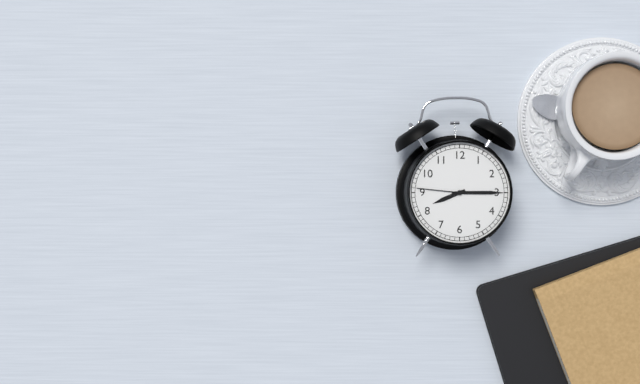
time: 8:15:46
